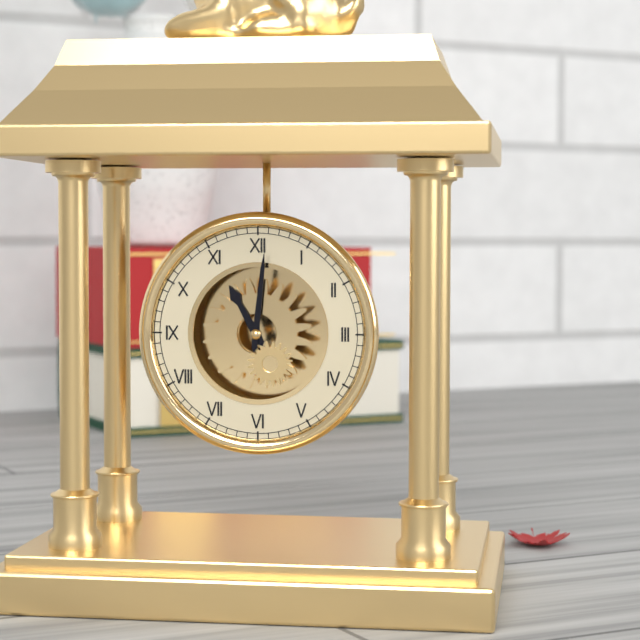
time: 11:01
